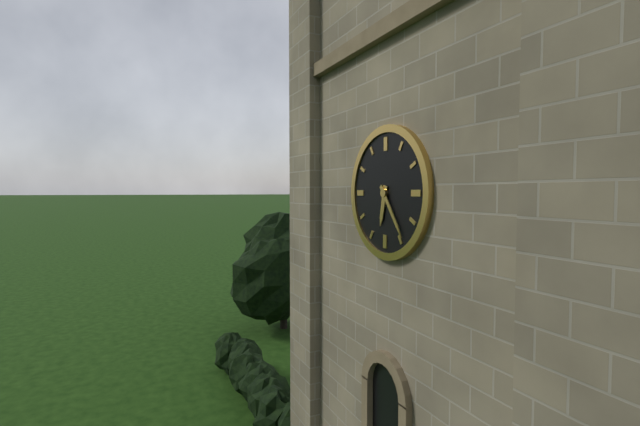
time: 6:24
